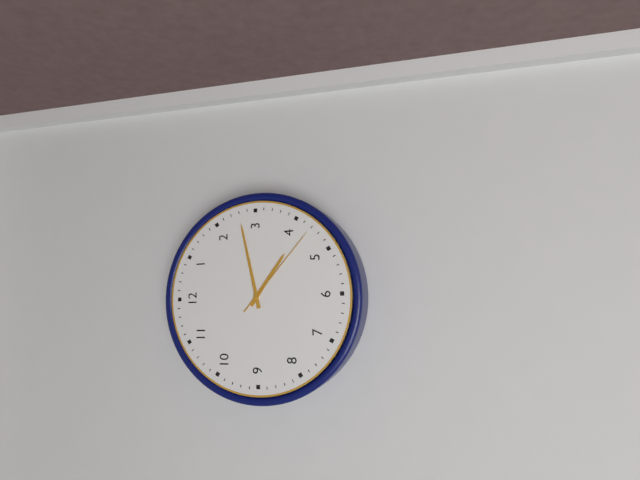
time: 4:13:22
